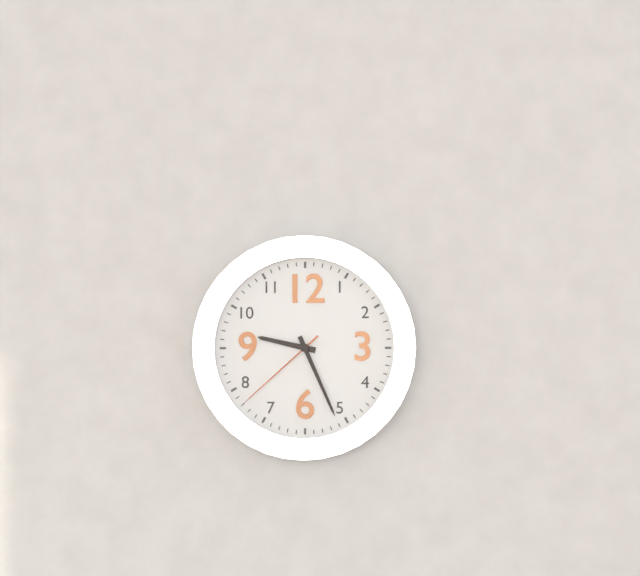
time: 9:26:38
